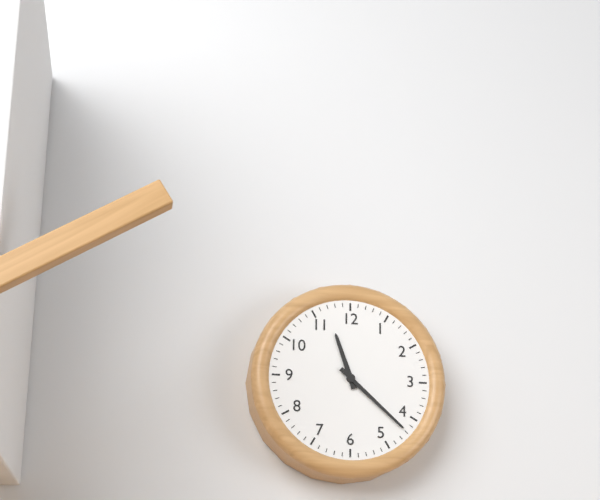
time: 11:22
